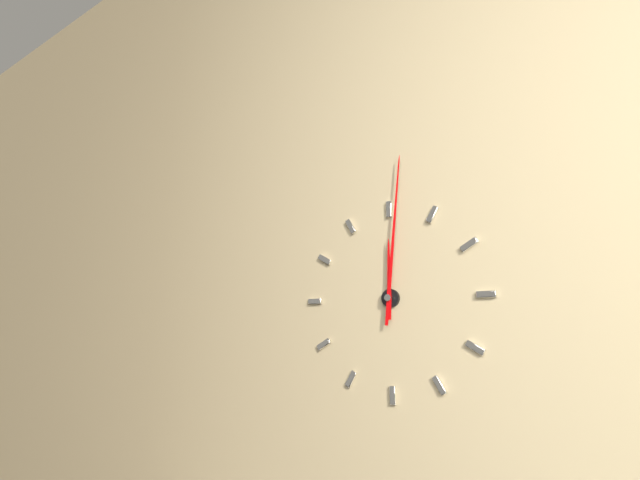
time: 12:01
